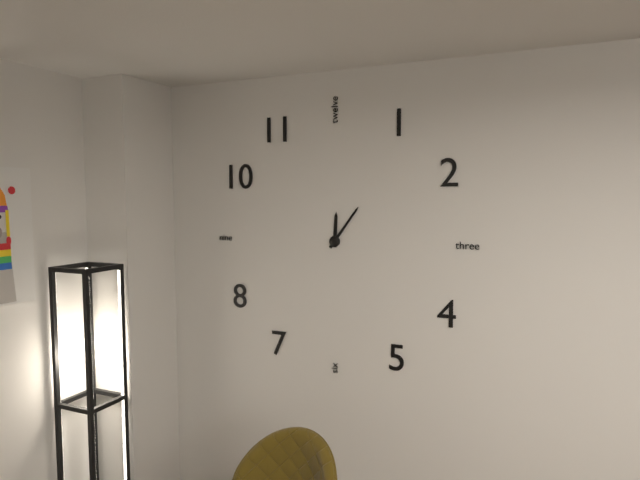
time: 12:06
